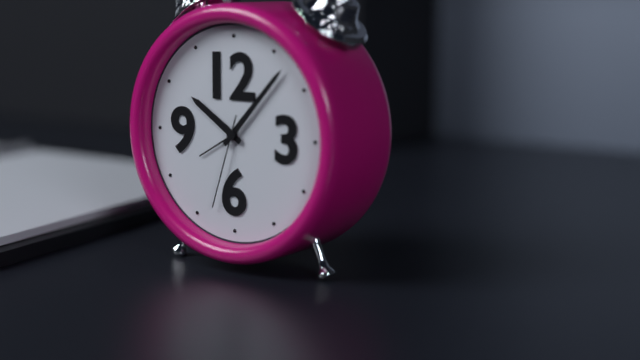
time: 10:07:33
